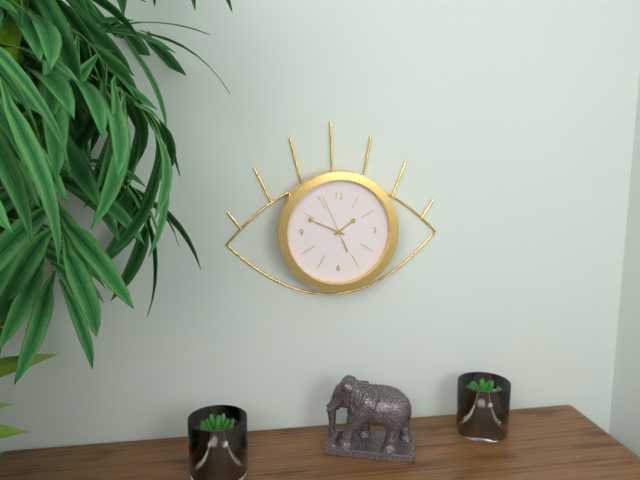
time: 1:49:56
